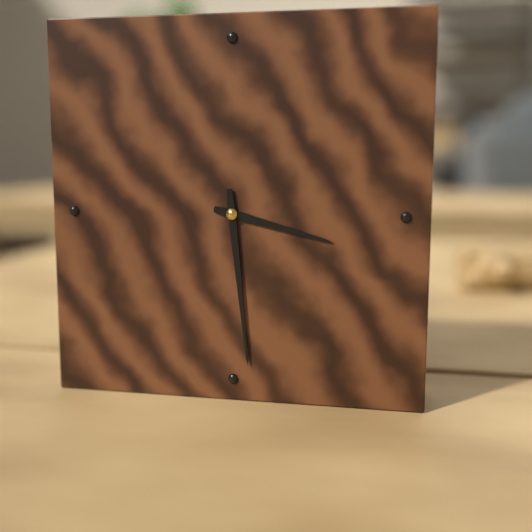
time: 3:29
